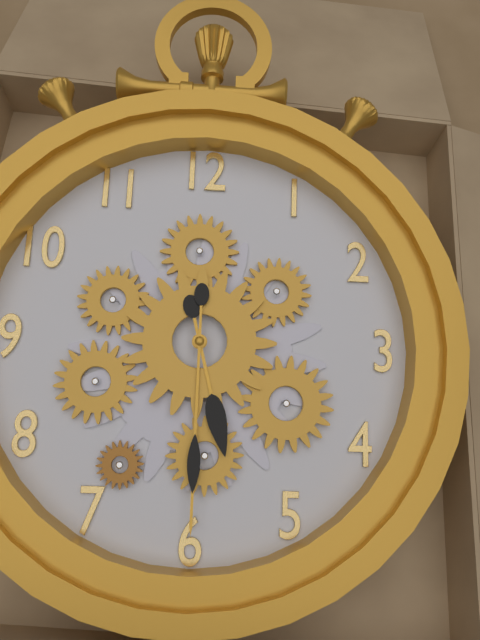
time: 5:30
